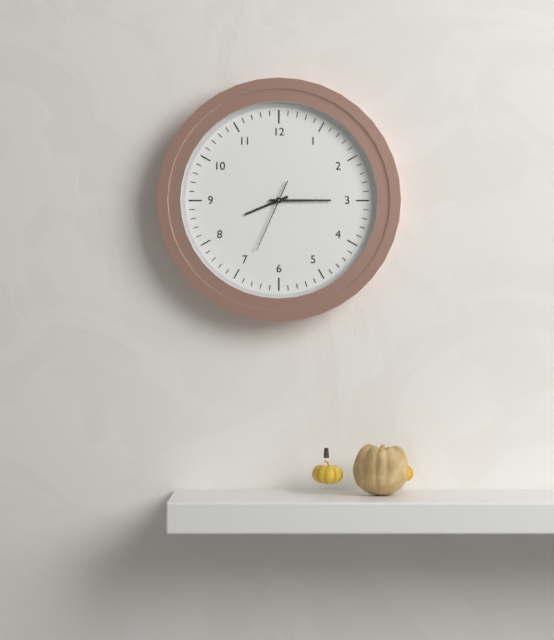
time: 8:15:34
